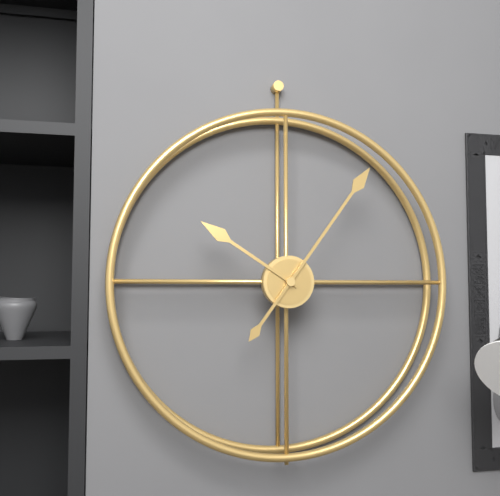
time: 10:06
